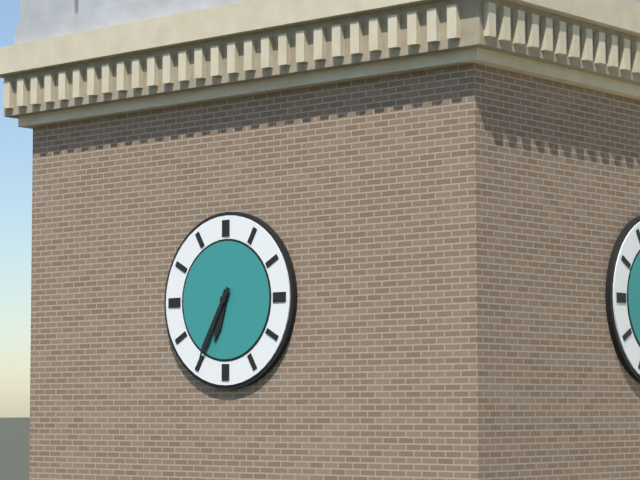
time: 6:35
